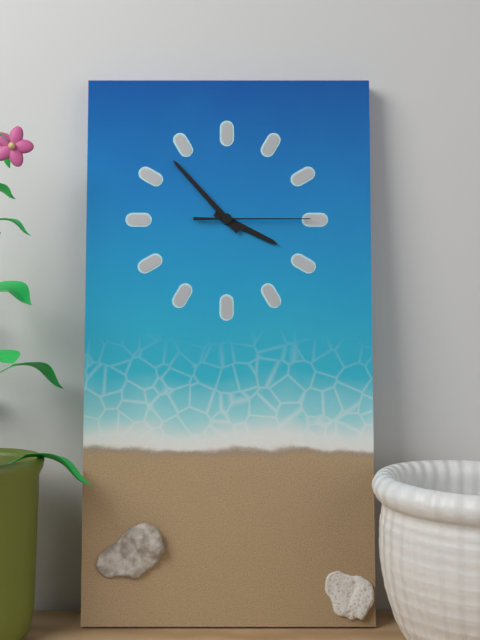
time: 3:53:15
